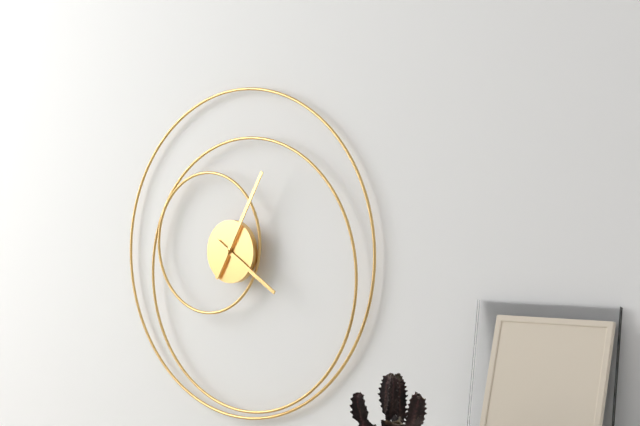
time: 4:05
